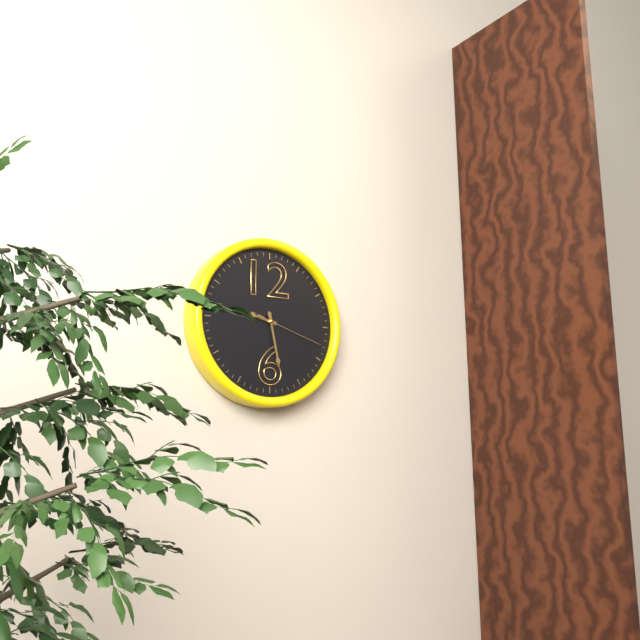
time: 9:28:18
